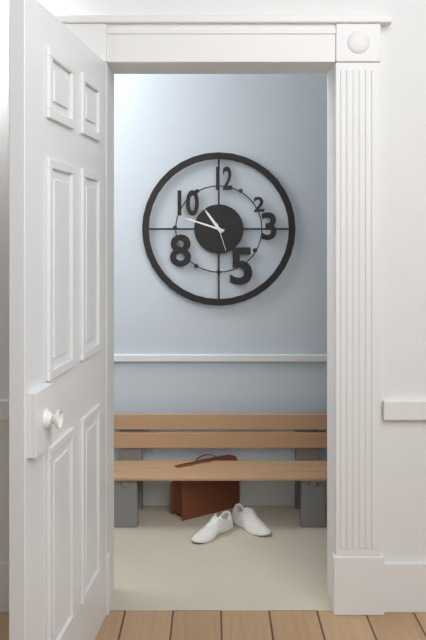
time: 10:48
